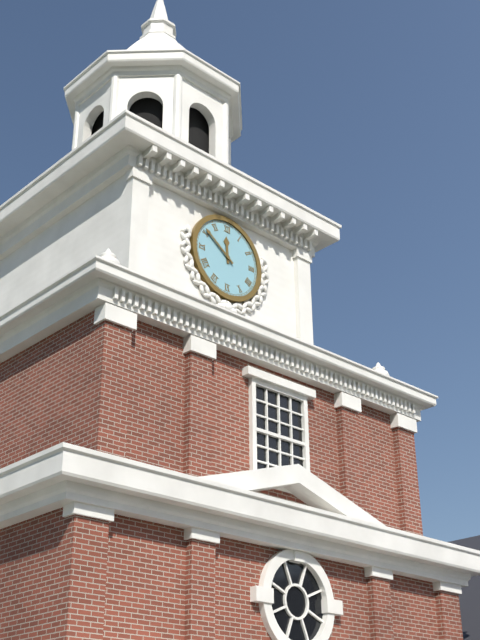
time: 11:51
